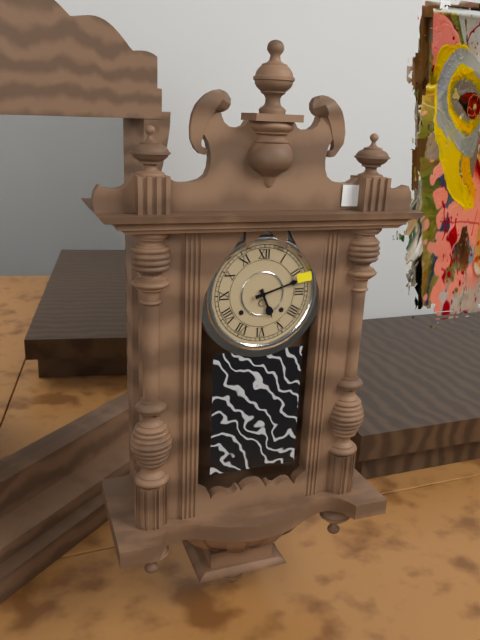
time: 5:12
